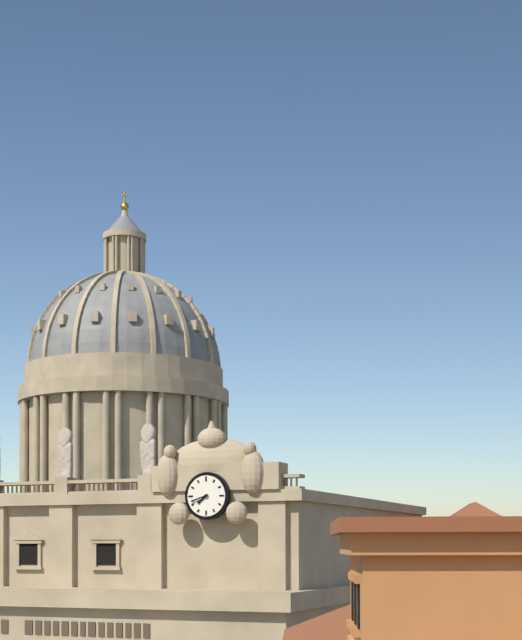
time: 7:42
